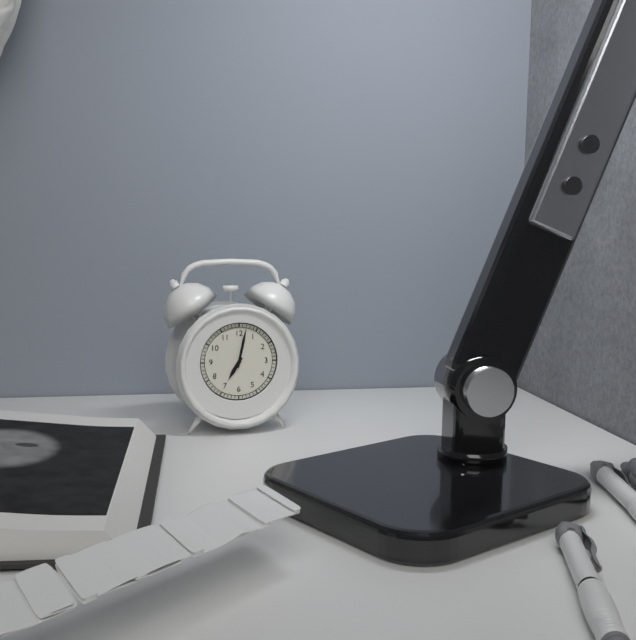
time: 7:02
